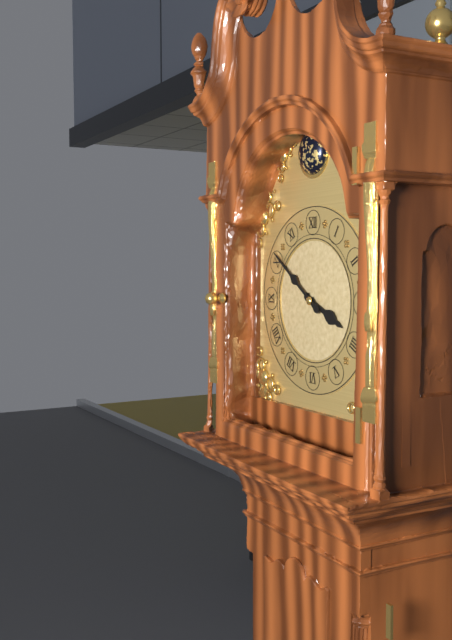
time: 3:51
